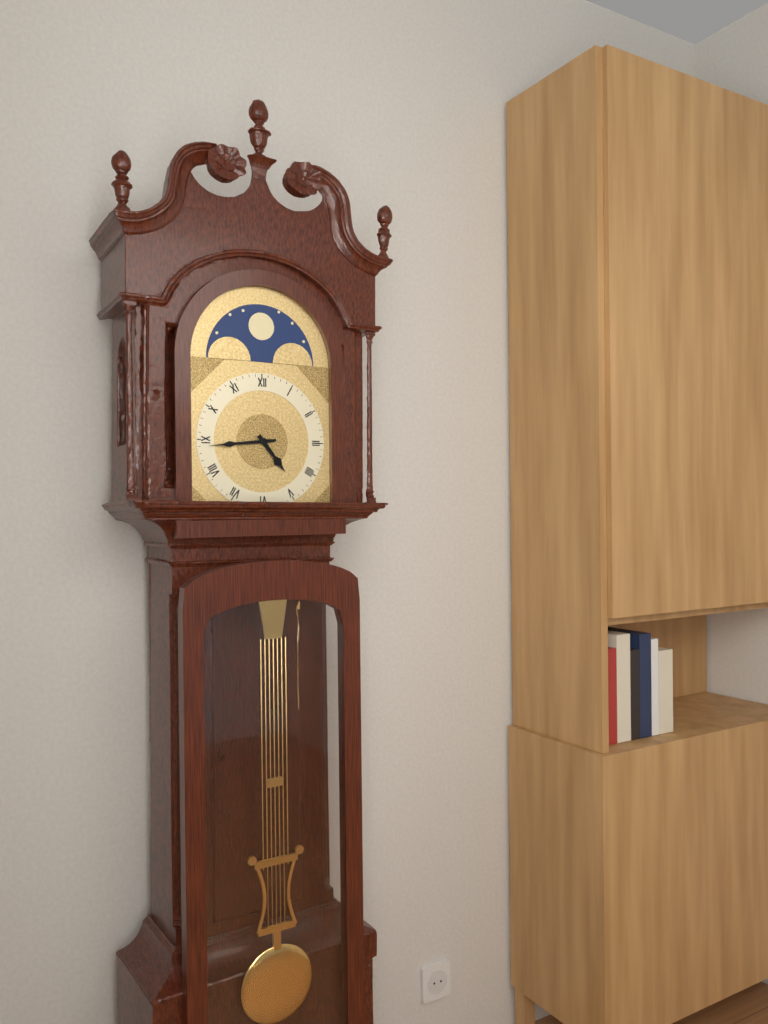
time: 4:44
